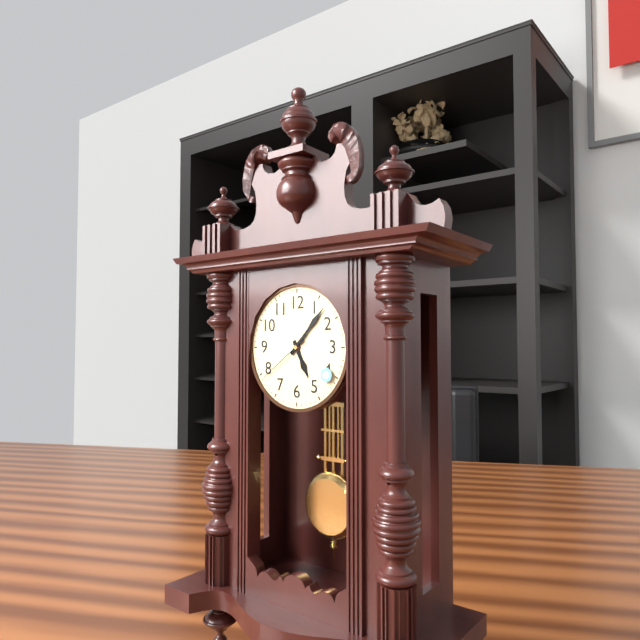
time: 5:07:39
